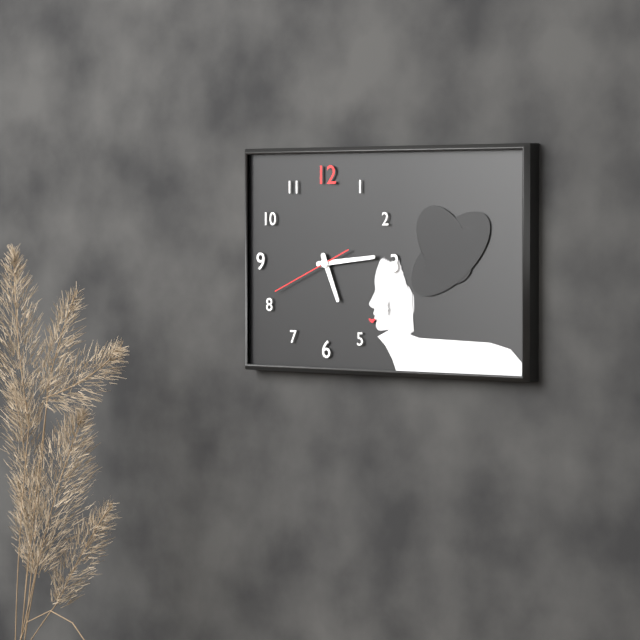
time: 5:14:41
